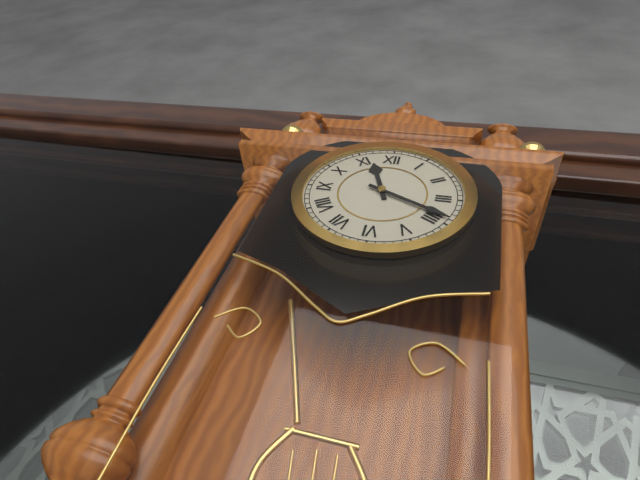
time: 11:19
